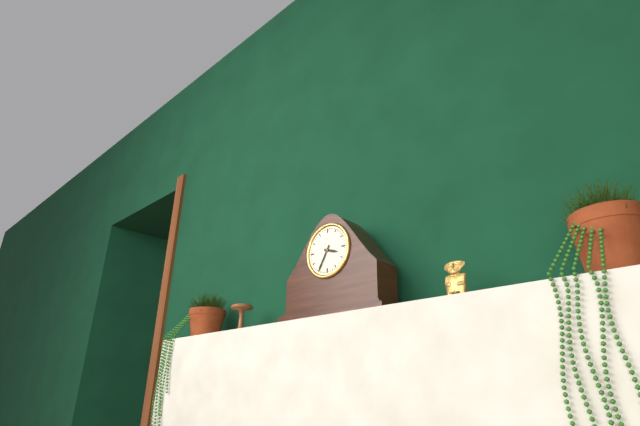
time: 3:35
